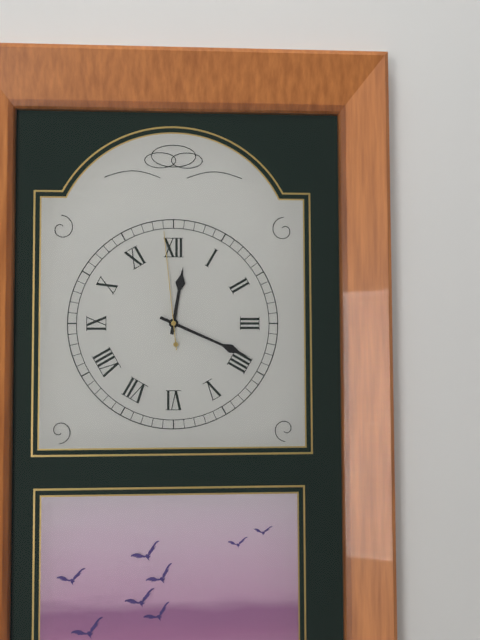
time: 12:19:59
